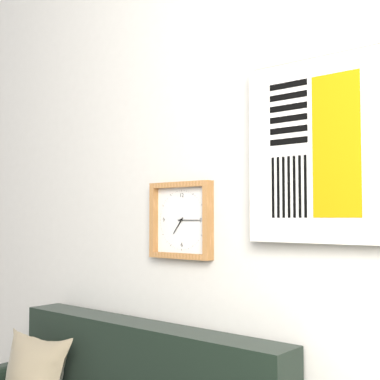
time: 7:15
